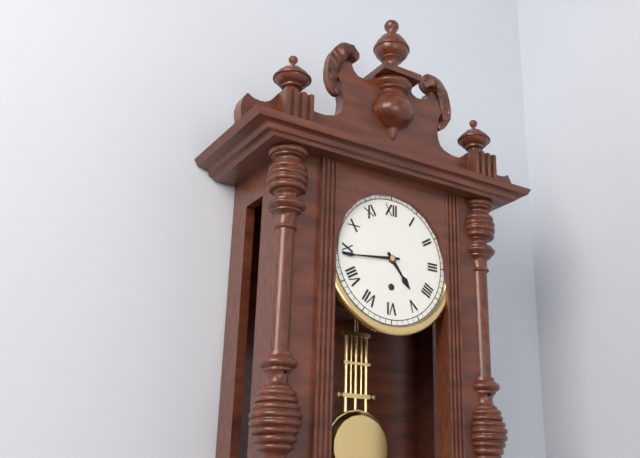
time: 4:44
